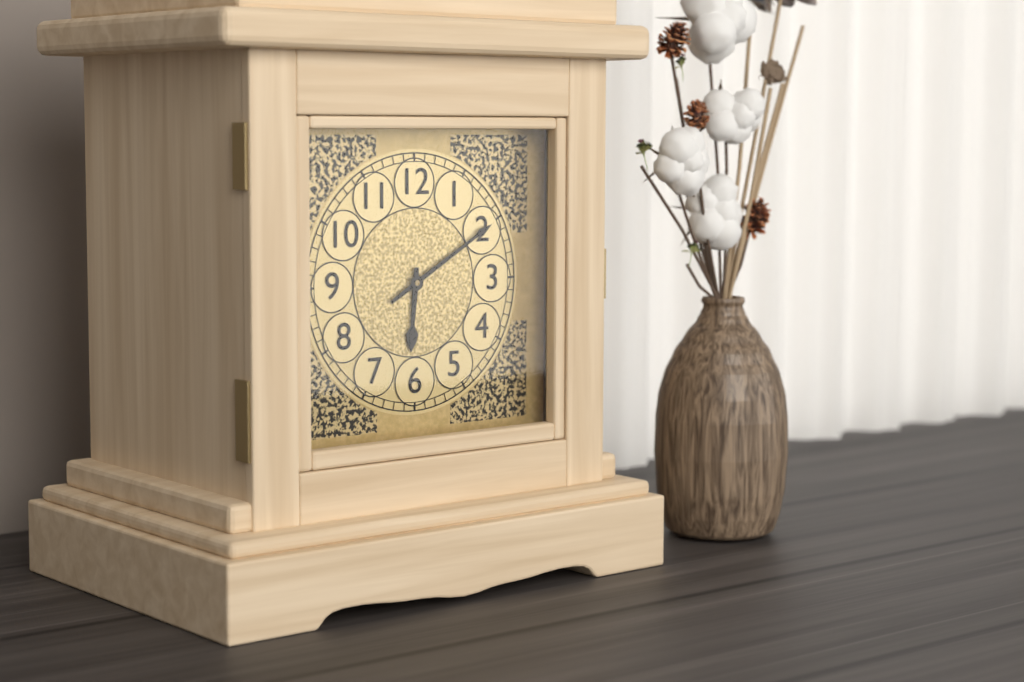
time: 6:10
